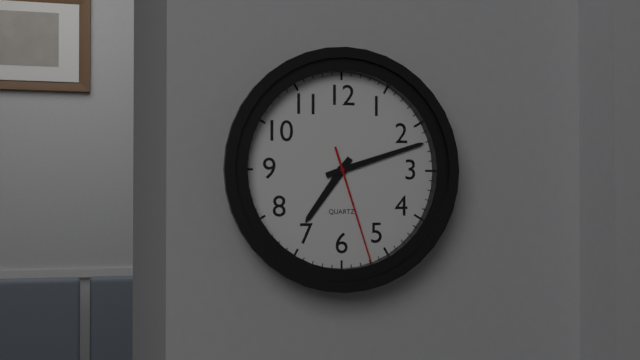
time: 7:12:27
